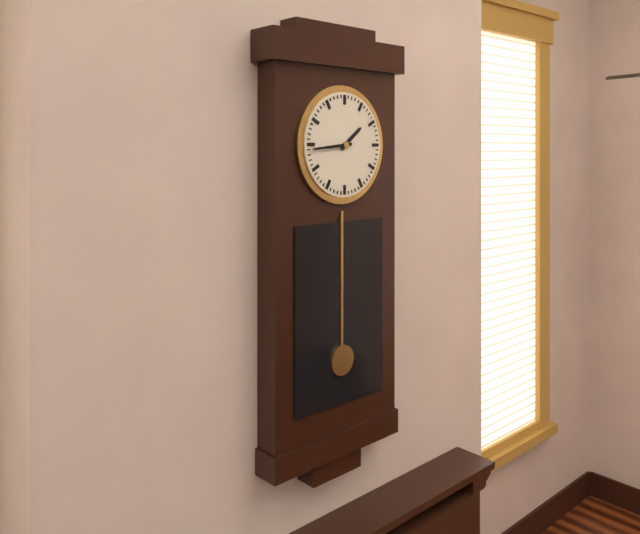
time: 1:44
